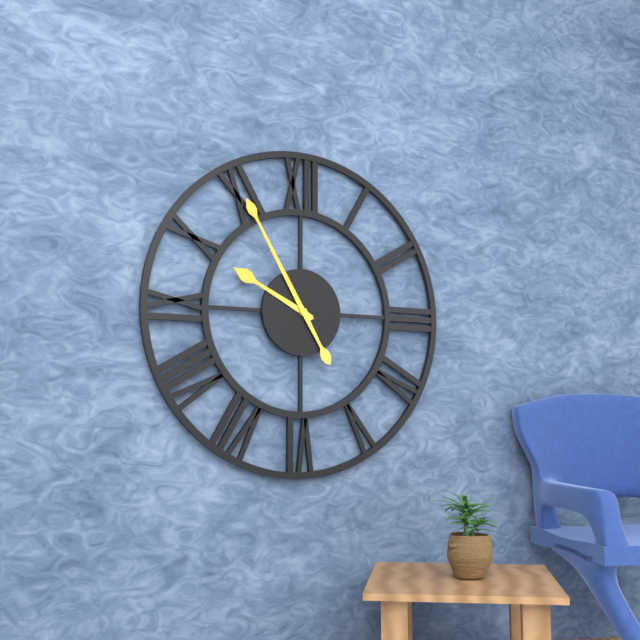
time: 9:55
